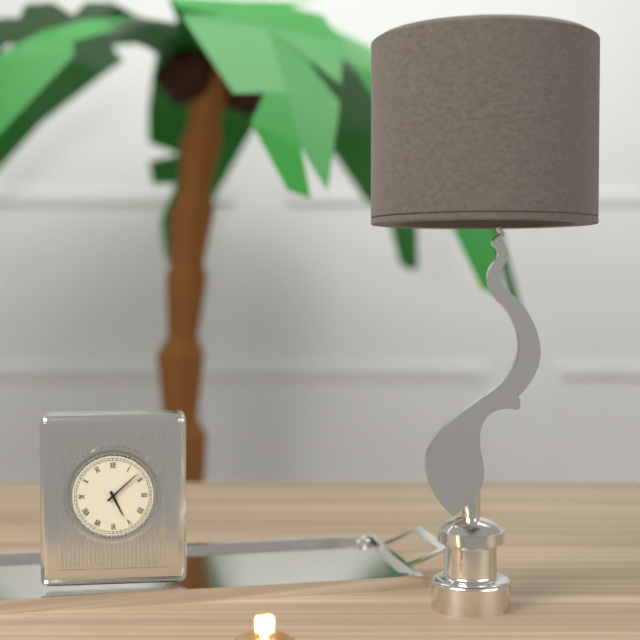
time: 5:08
